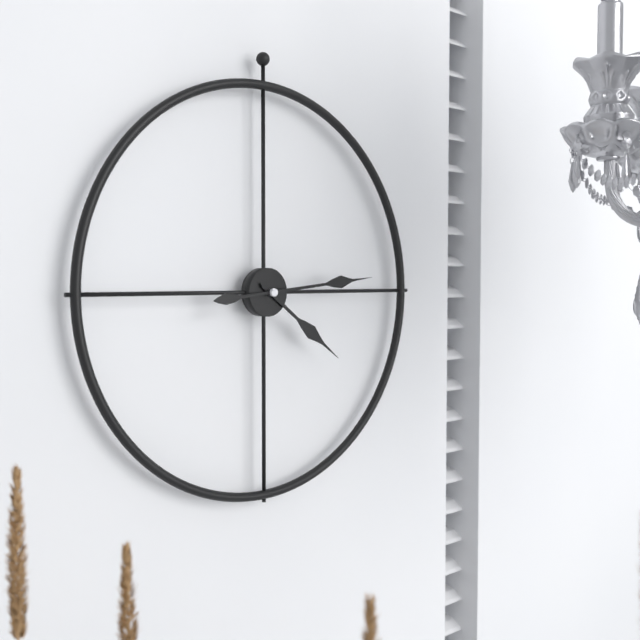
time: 4:14
